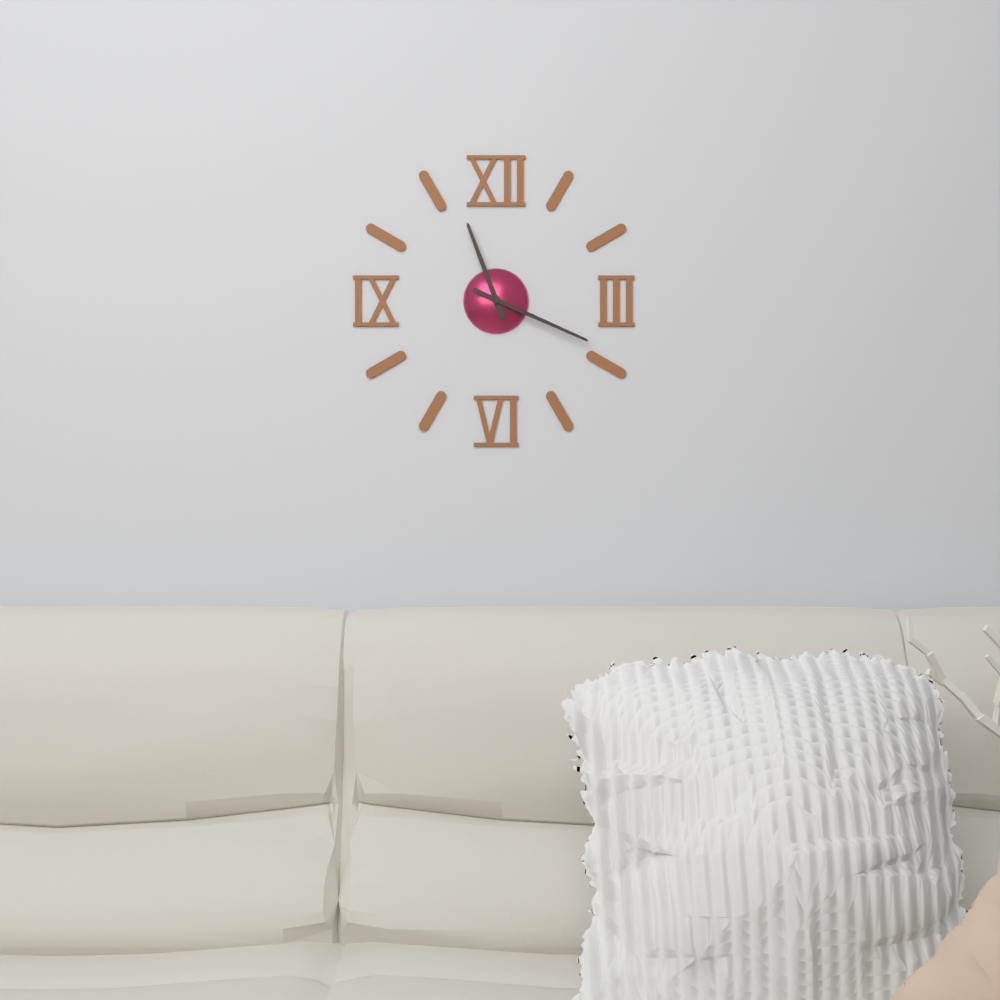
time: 11:19
